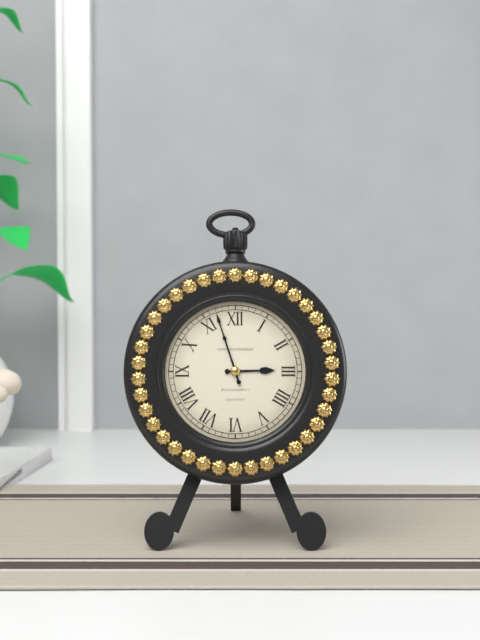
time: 2:57
